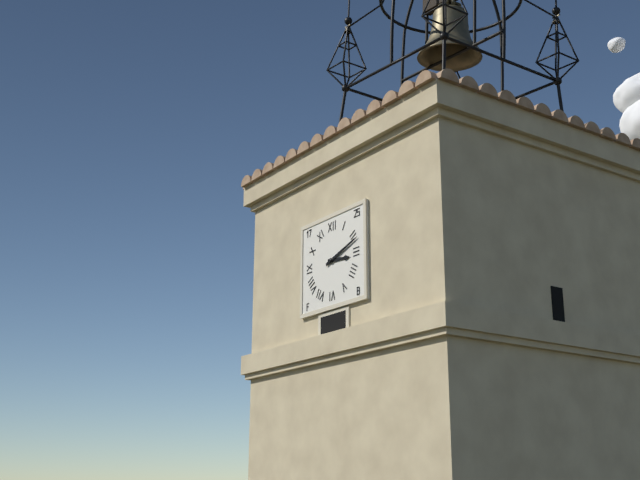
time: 3:12
